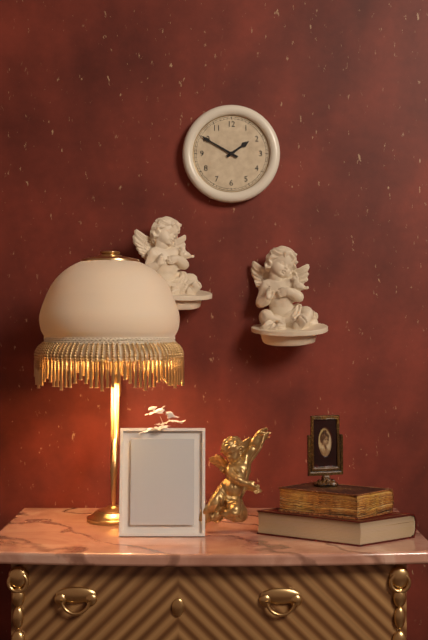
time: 1:50
